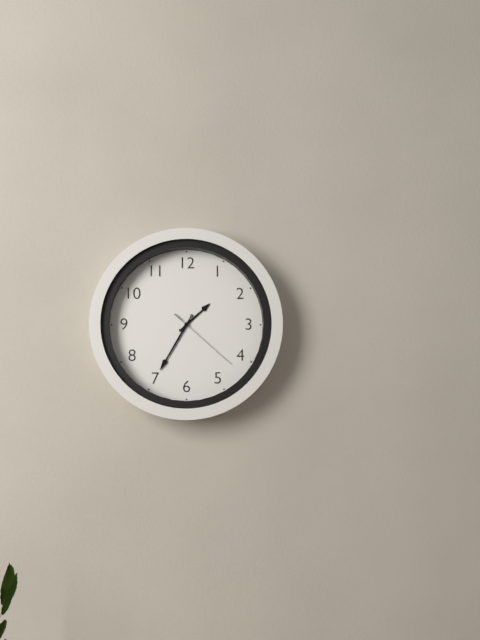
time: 1:35:22
